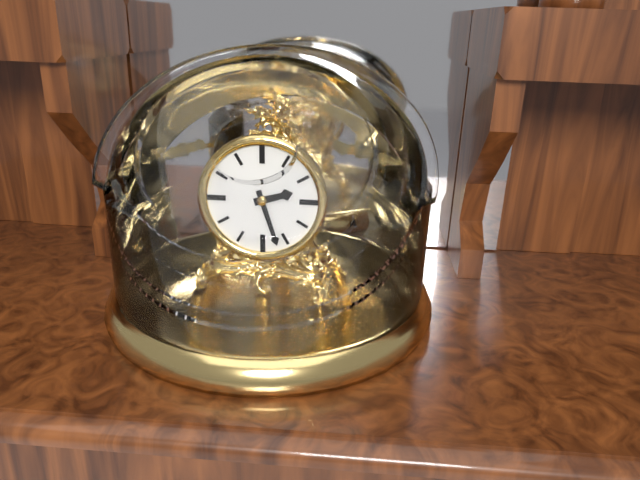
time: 2:27
